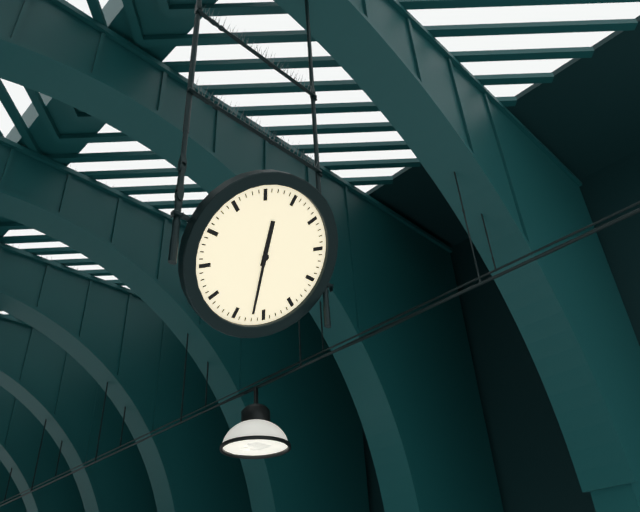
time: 11:27
